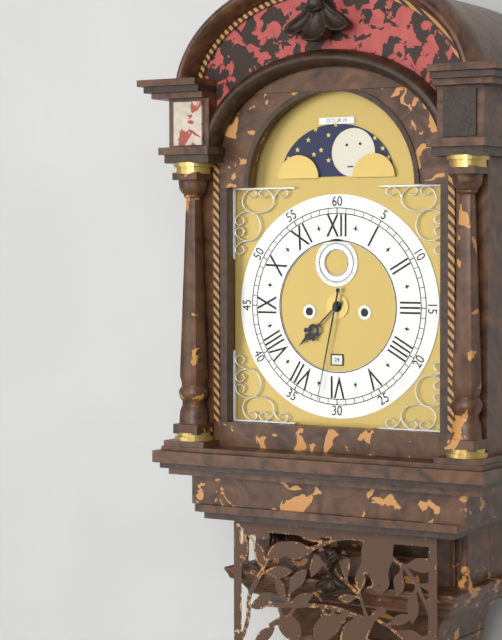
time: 7:32
